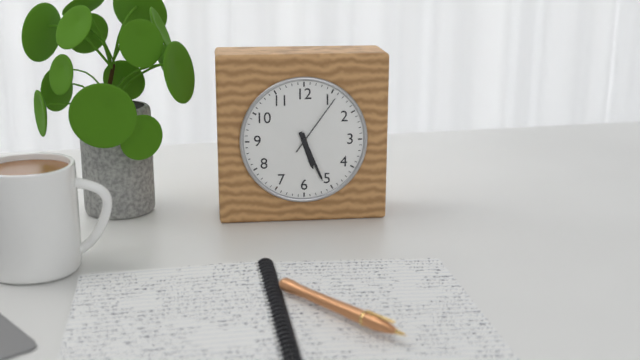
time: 5:26:06
